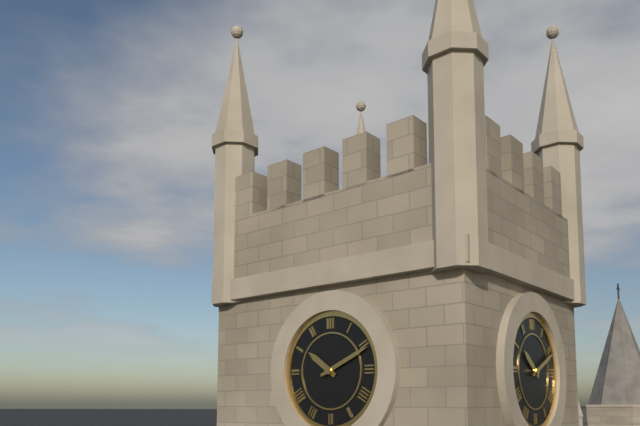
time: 10:11
